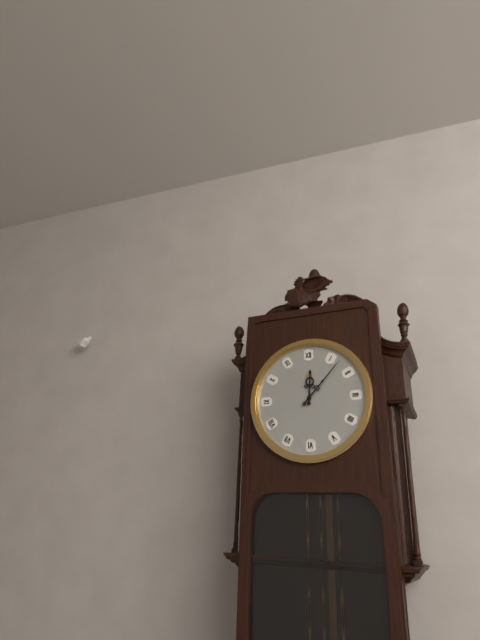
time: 12:07
